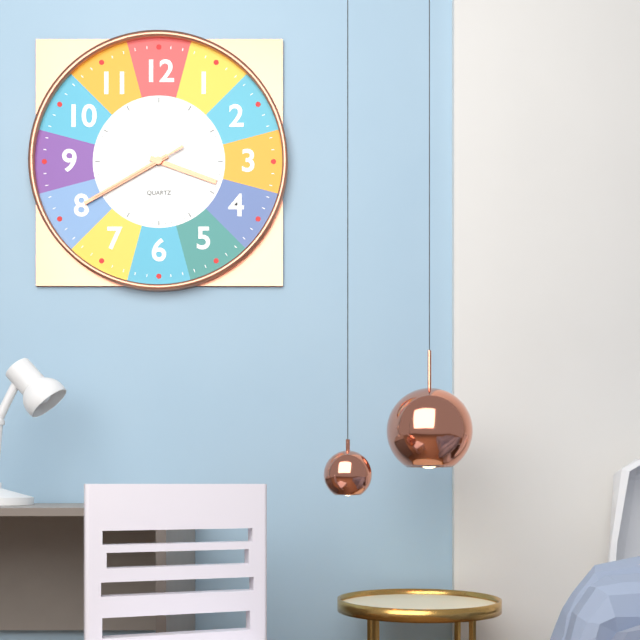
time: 3:40:40
